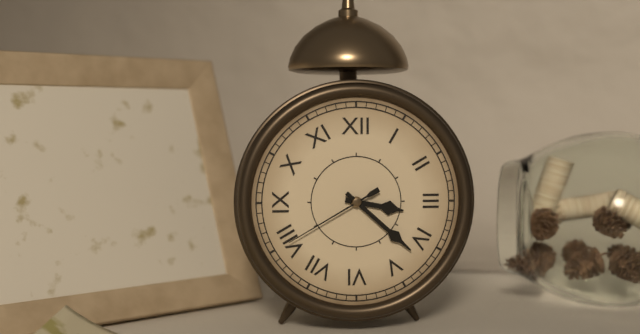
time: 3:22:40
